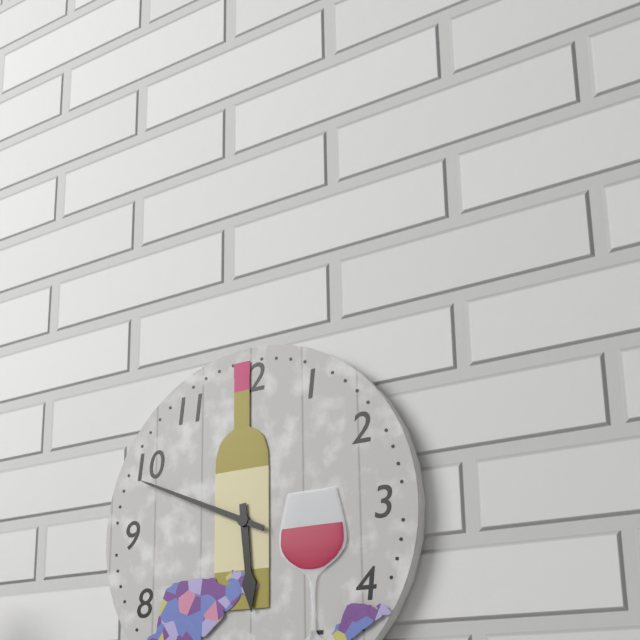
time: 5:49
